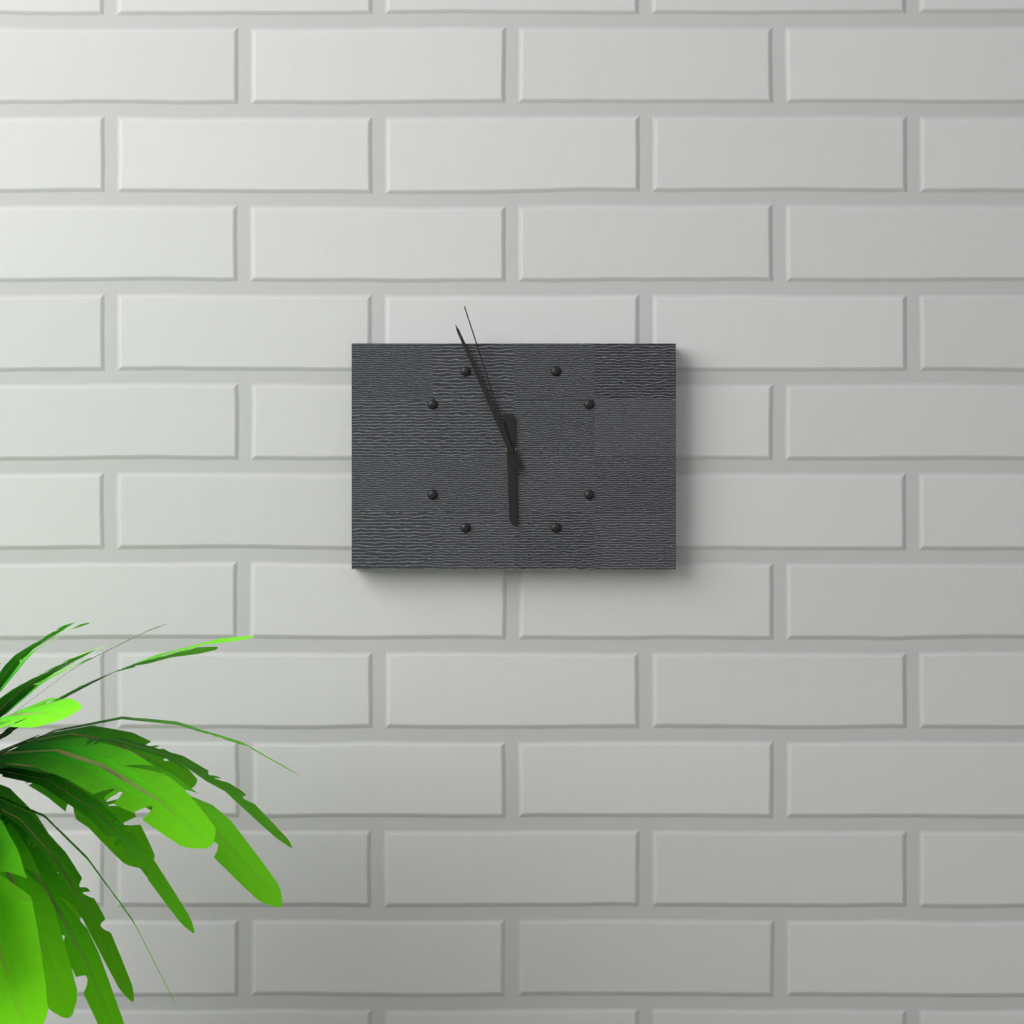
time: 5:56:57
